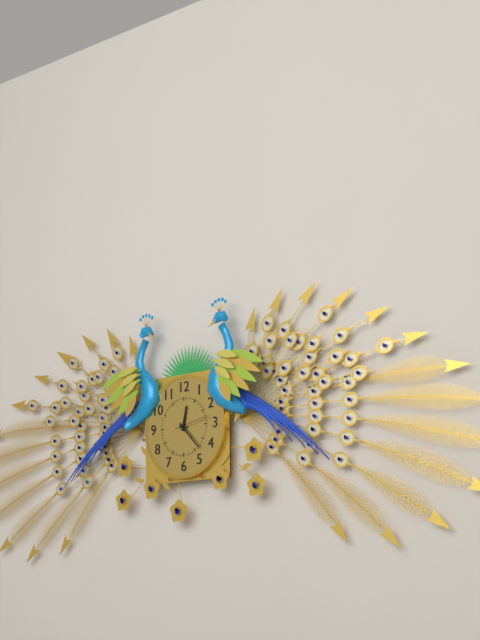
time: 12:23
